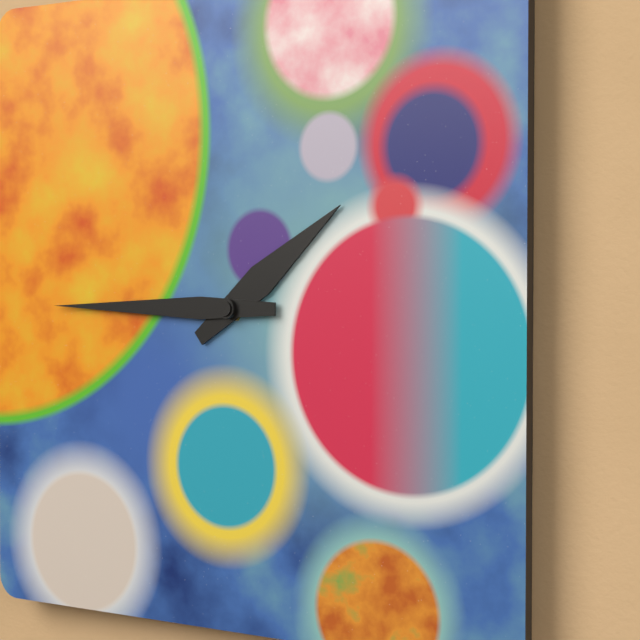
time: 1:45
